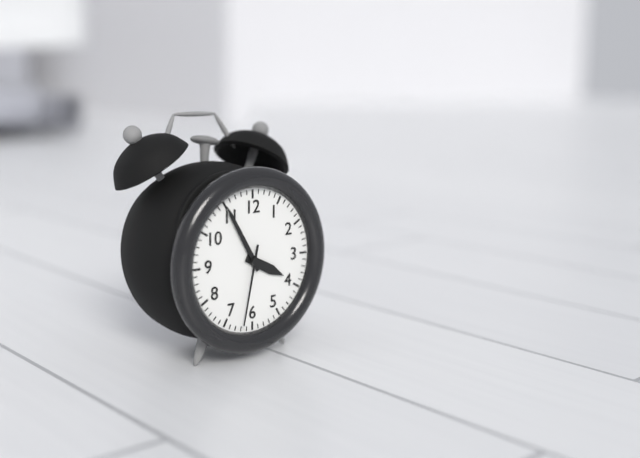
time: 3:55:32
